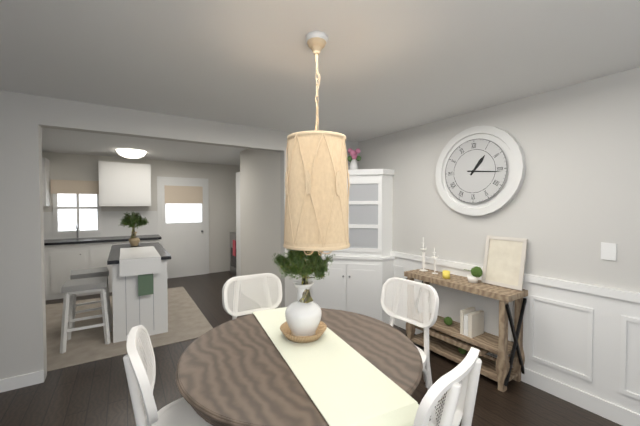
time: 1:16
